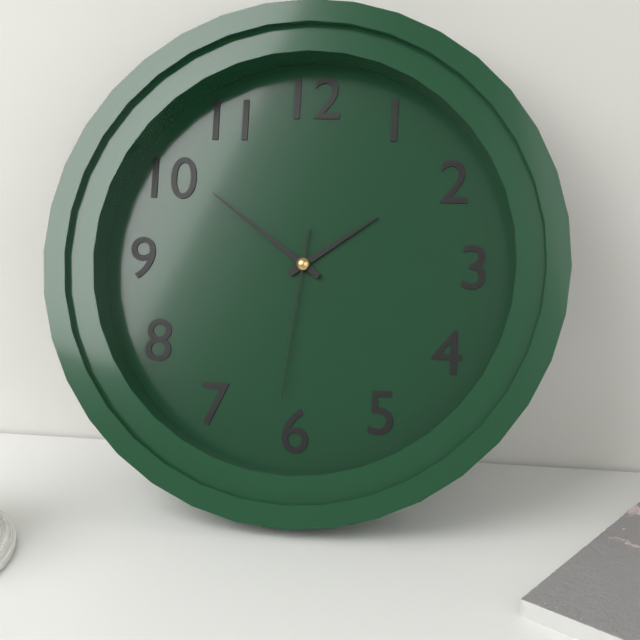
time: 1:51:31
